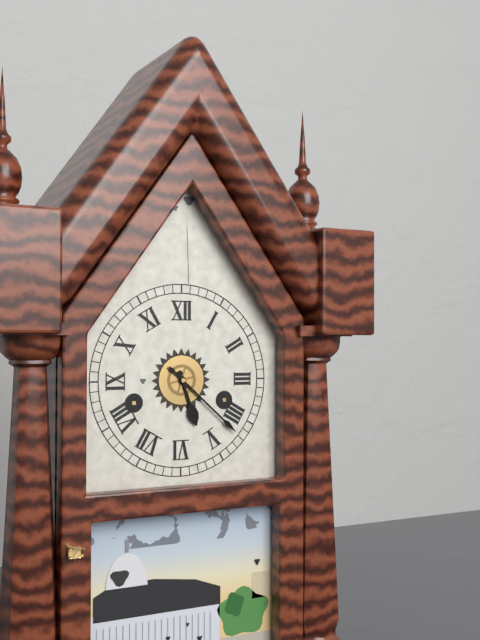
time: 5:22
